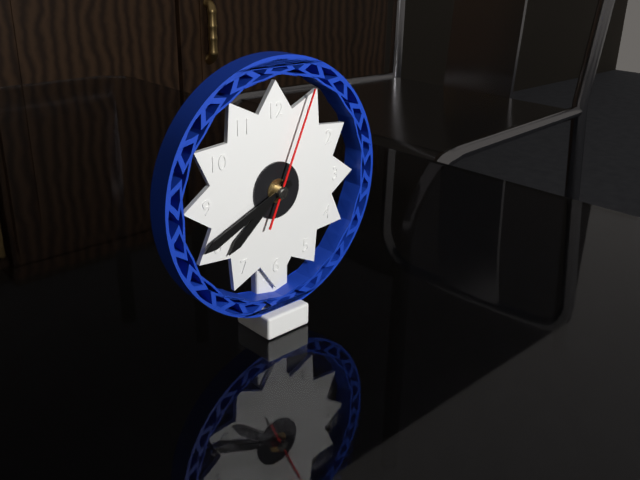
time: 7:41:04
